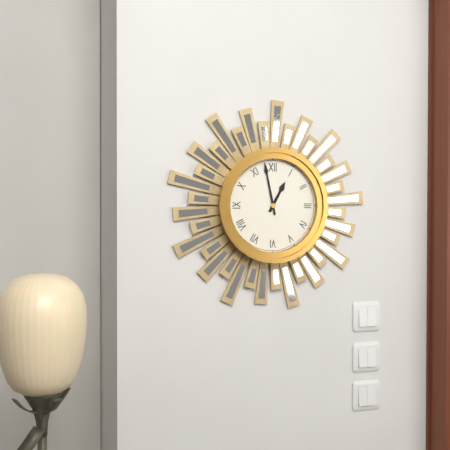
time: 12:58
